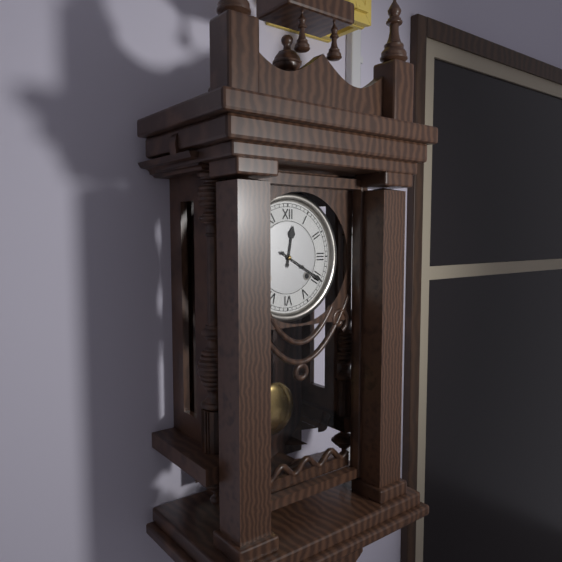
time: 12:20
